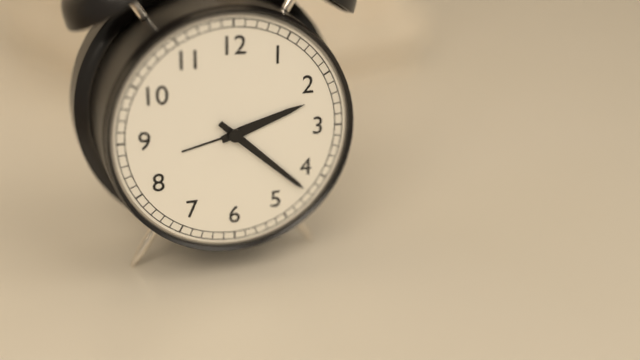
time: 2:22
